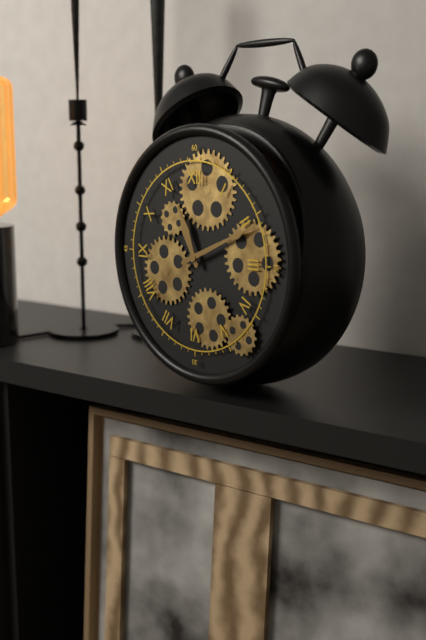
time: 11:11
